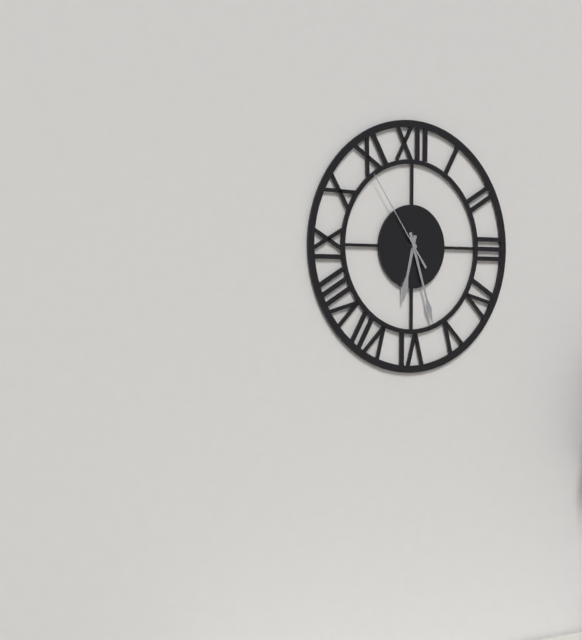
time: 6:27:54
